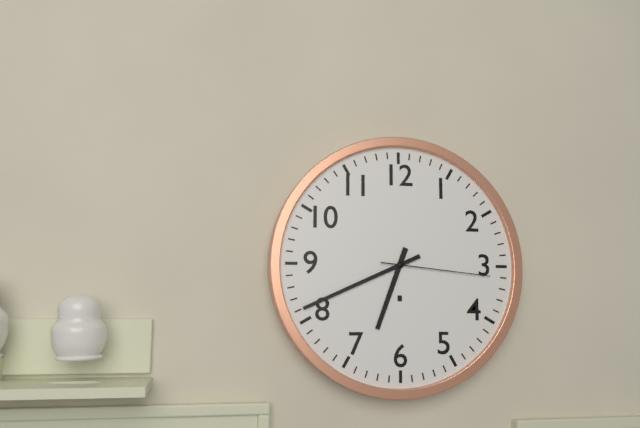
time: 6:41:16
